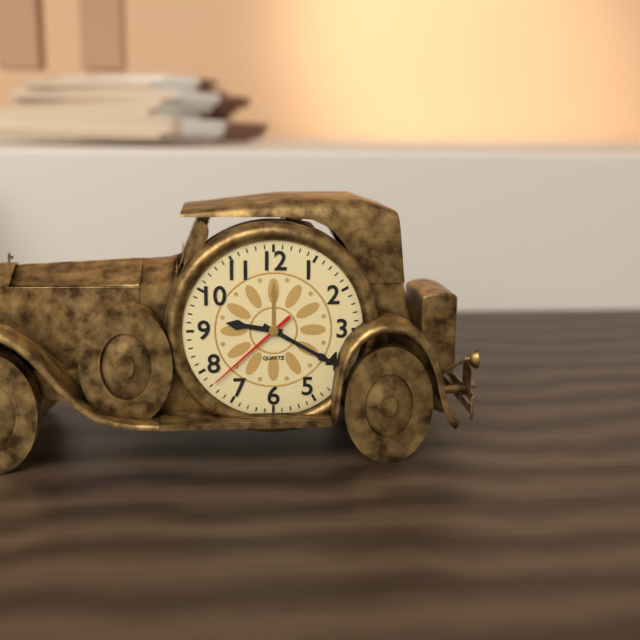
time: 9:20:38
